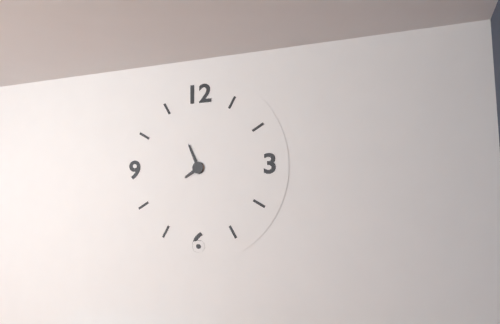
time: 7:56
